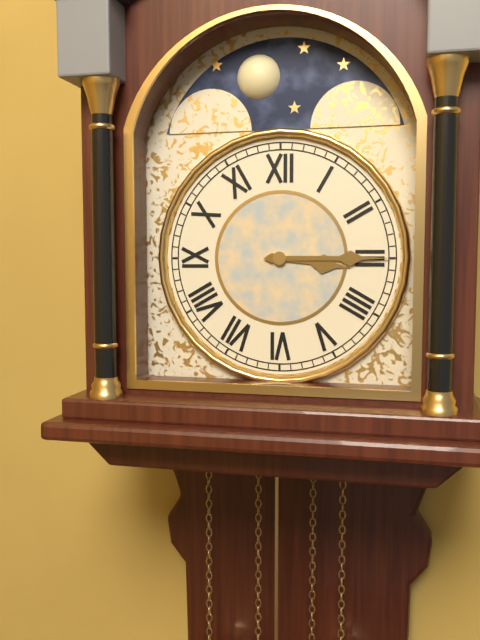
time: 3:15
